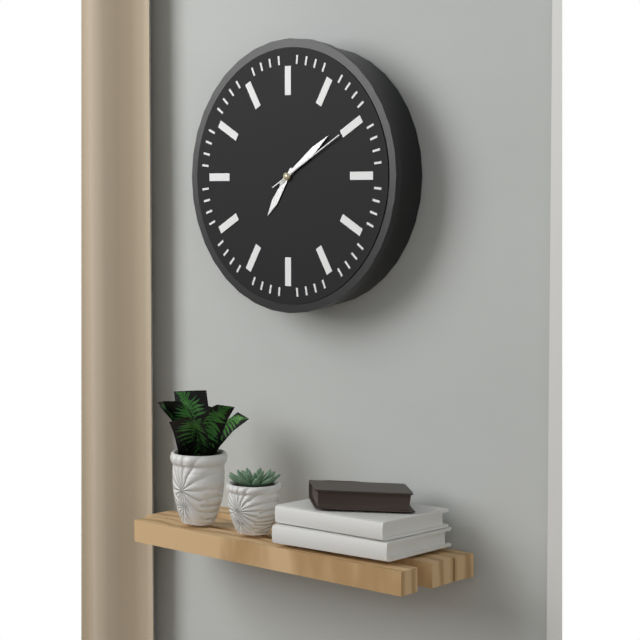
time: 7:09:10
